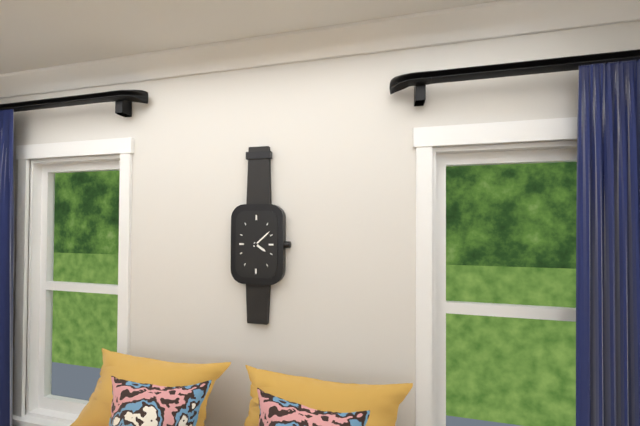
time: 4:08
